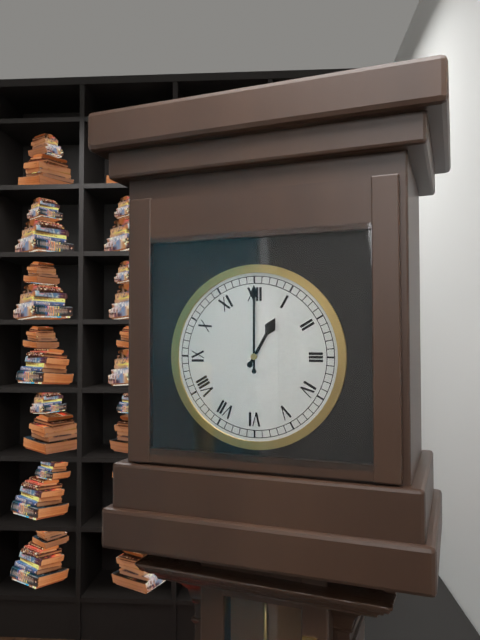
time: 1:00
